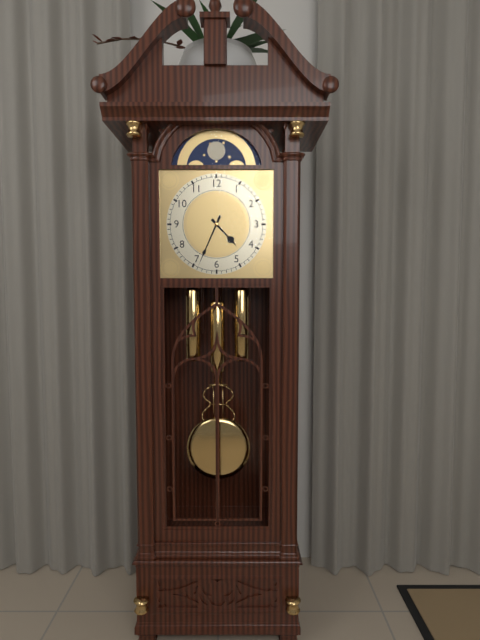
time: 4:34
